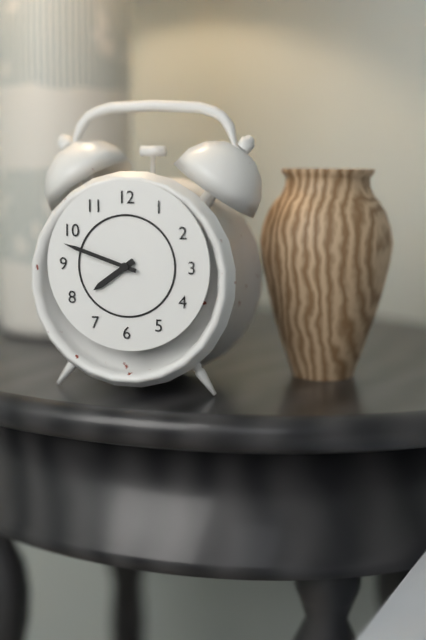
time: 7:48
